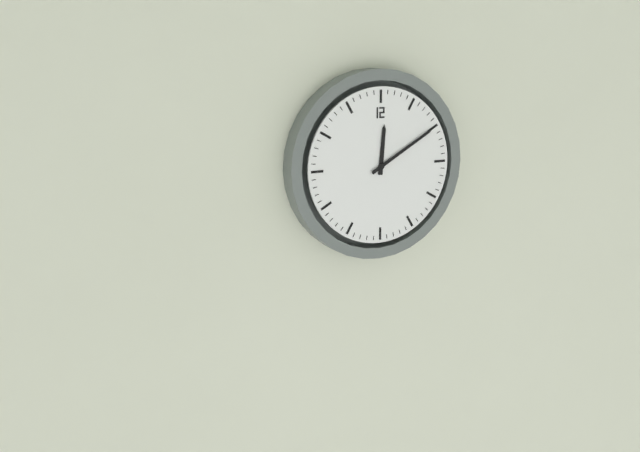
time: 12:10
